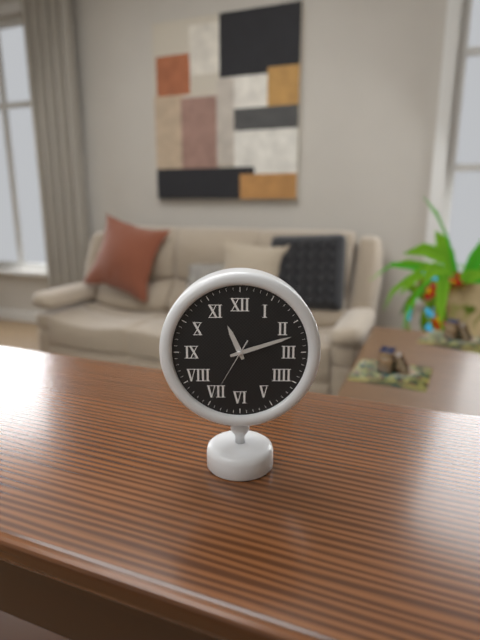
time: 11:12:35
